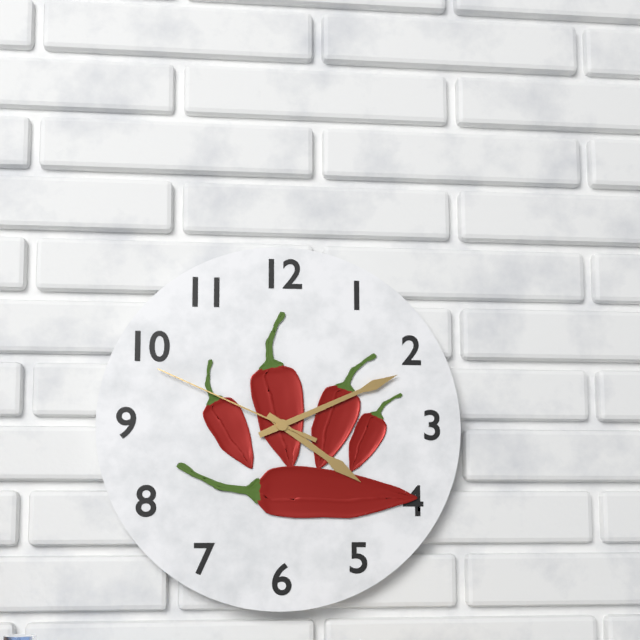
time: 4:11:49
